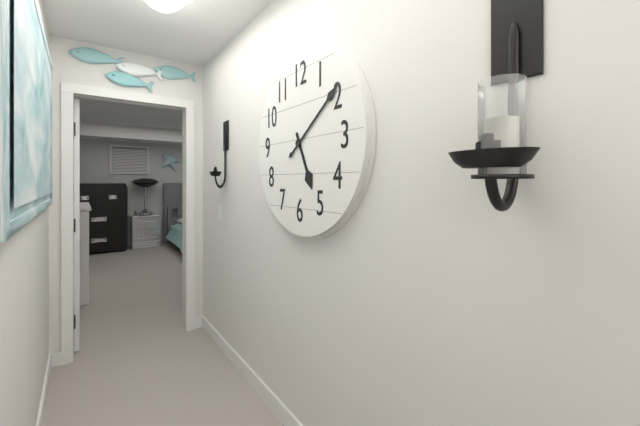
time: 5:09
